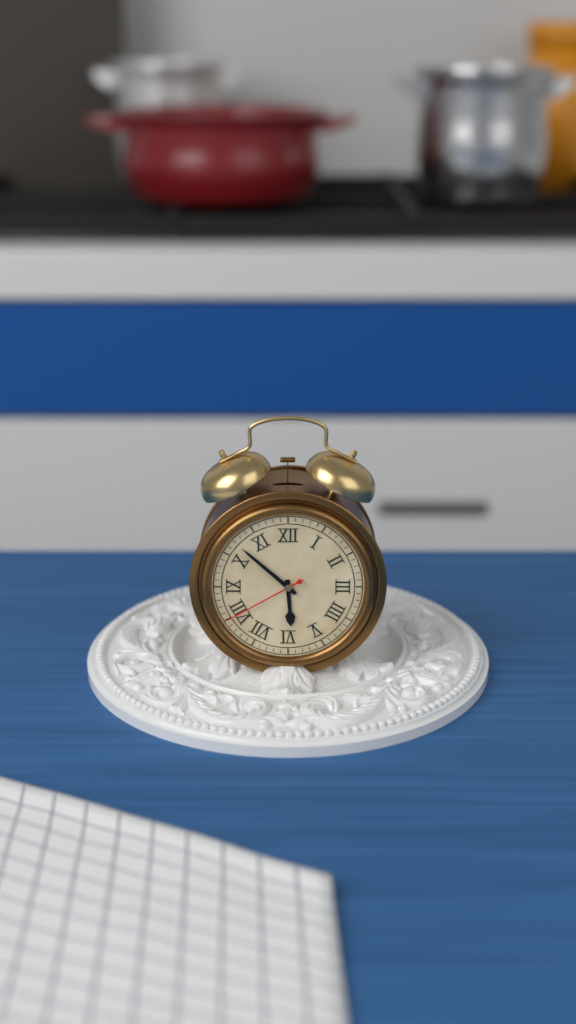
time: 5:52:40
